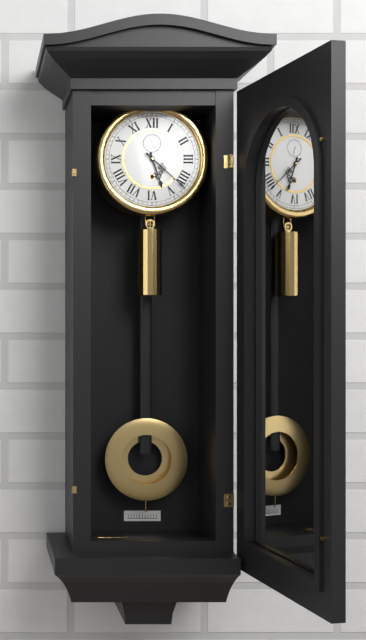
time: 5:22
